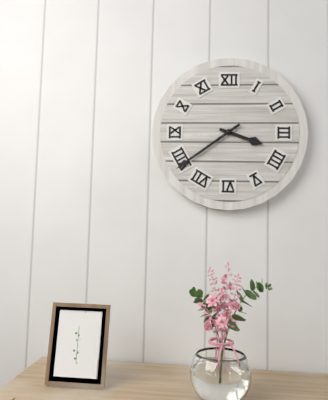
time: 3:39
